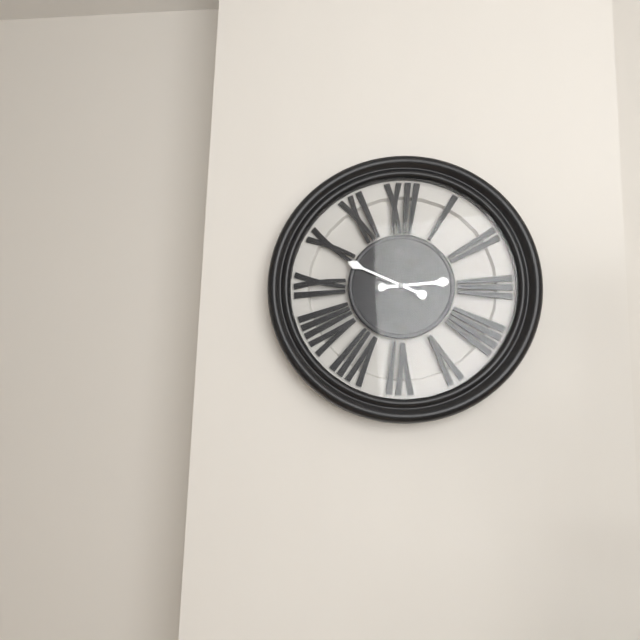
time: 2:49
